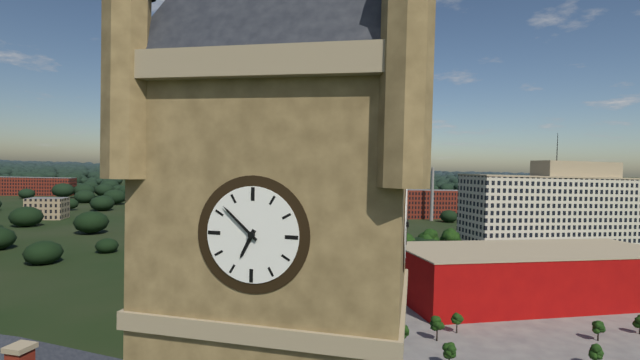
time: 6:52
